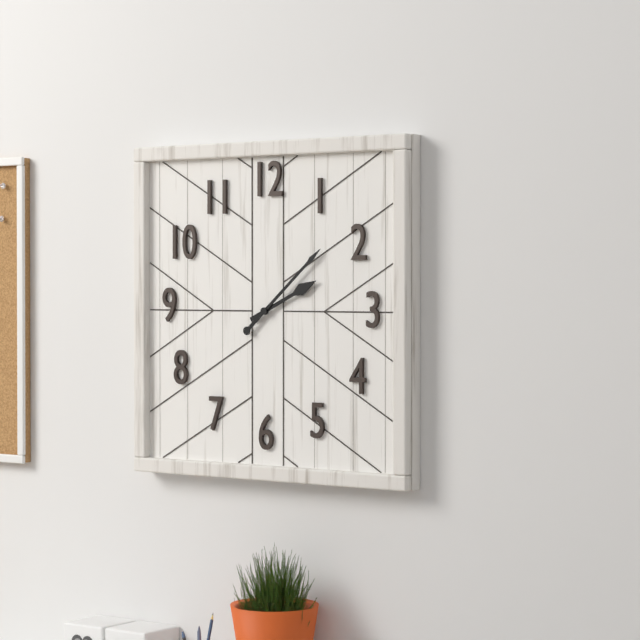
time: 2:08
